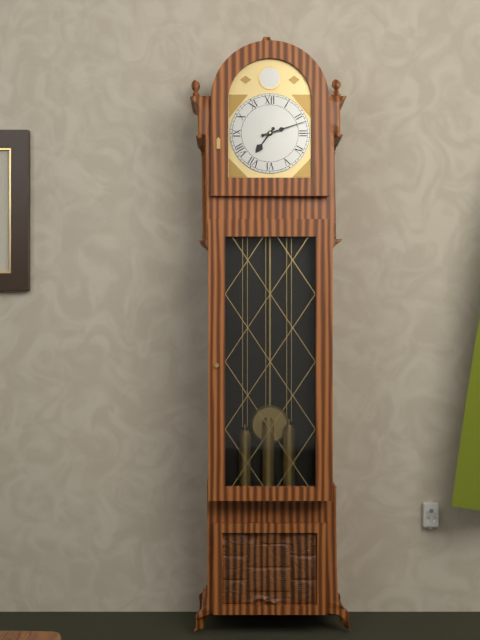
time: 7:12
